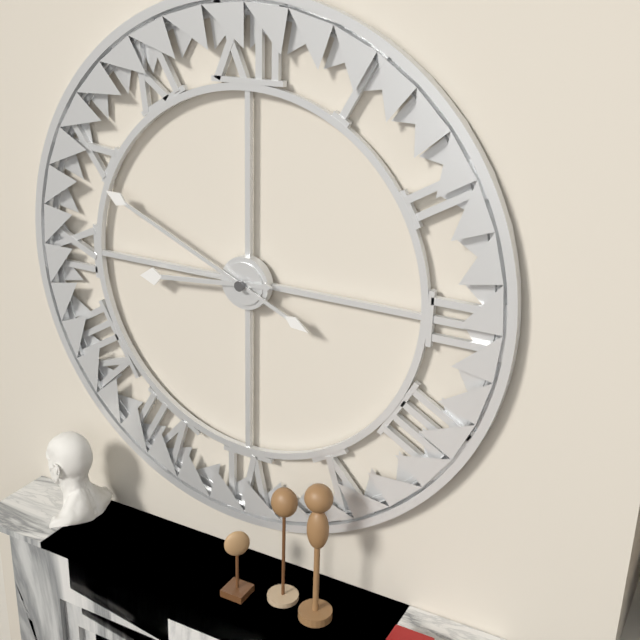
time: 8:49
